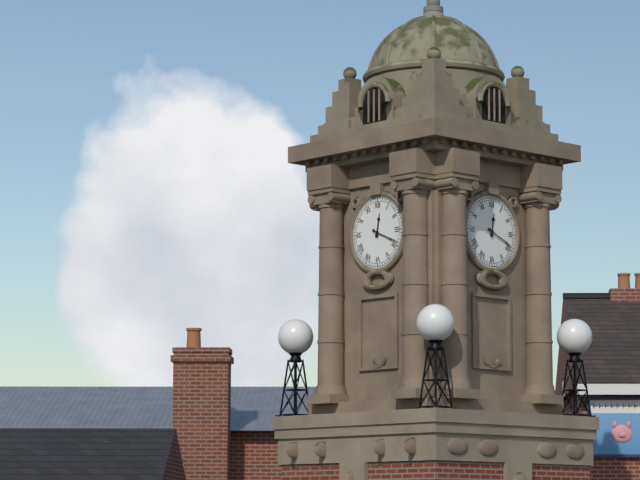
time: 12:19
